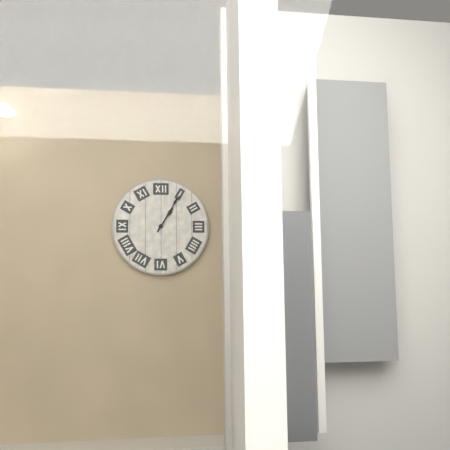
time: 1:05
